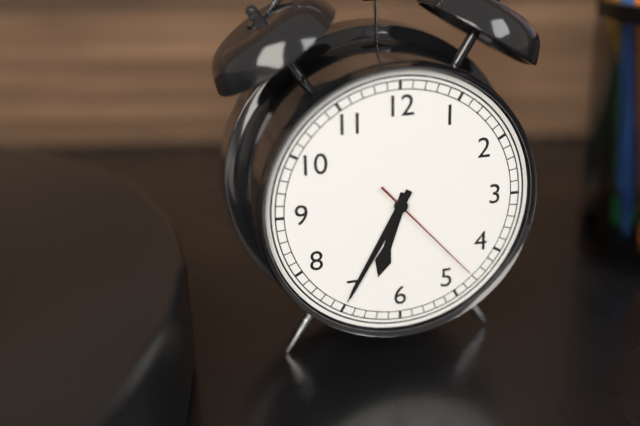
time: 6:35:23
